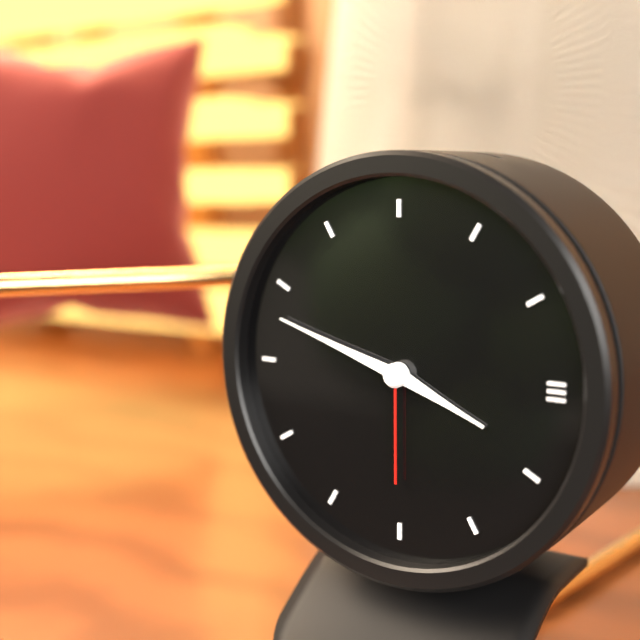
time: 3:48:30
